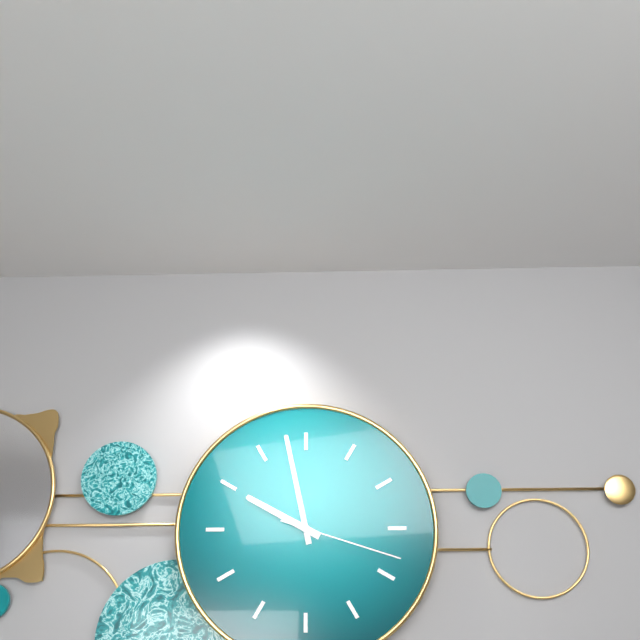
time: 9:58:18
